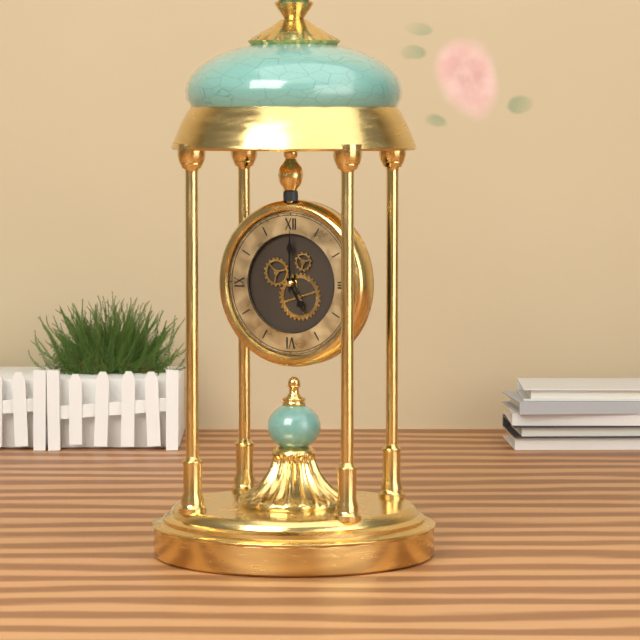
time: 5:00
